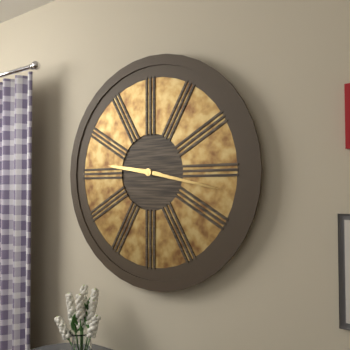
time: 9:17
